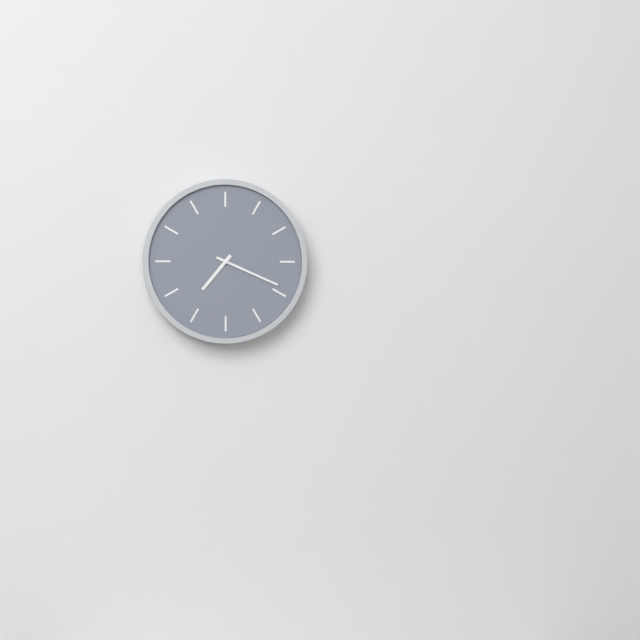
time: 7:19
